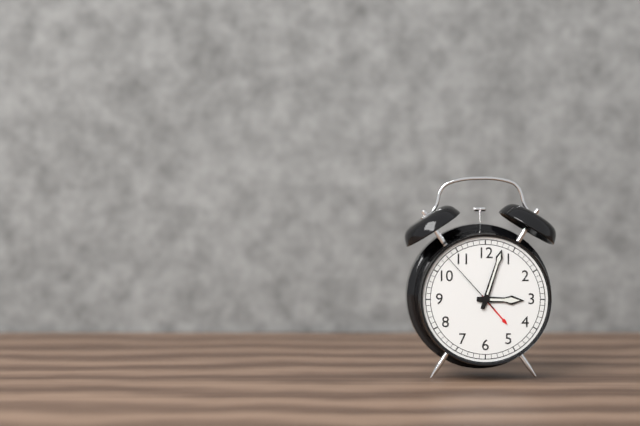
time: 3:03:53
